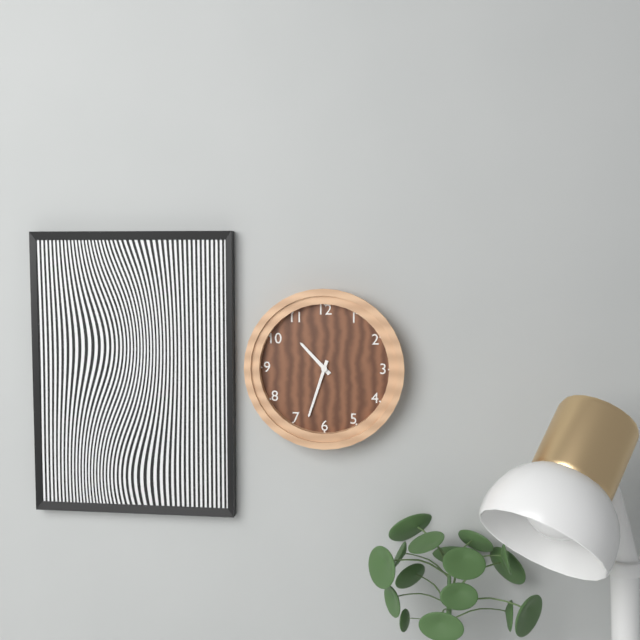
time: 10:33
